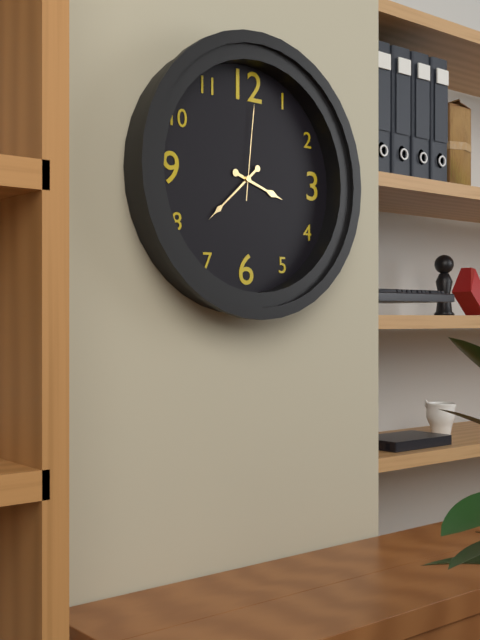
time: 3:38:01
